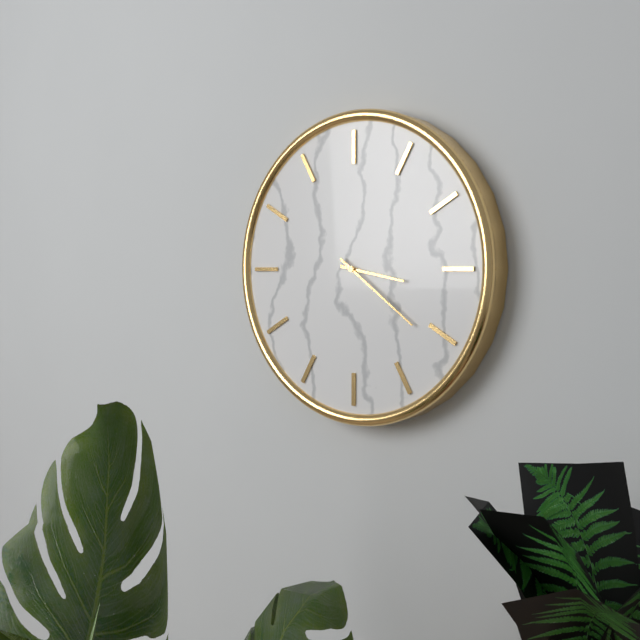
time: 3:21
